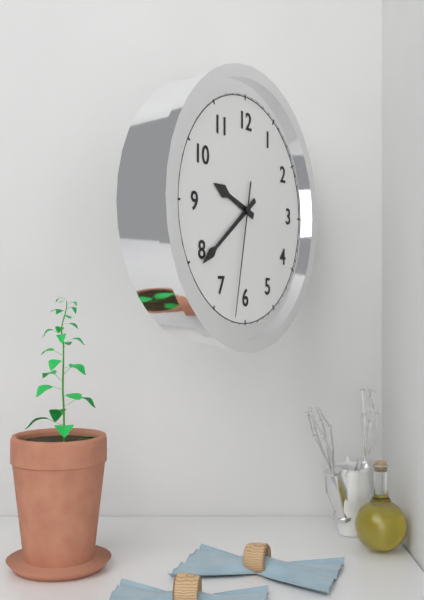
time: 9:39:32
